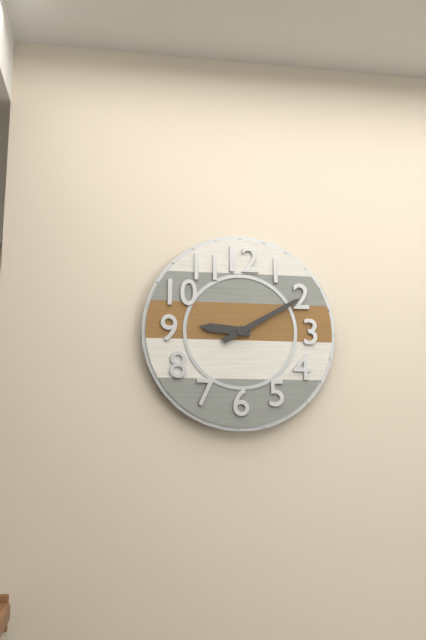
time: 9:10
